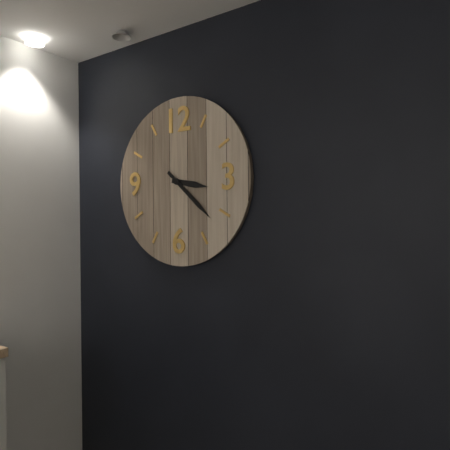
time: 3:22
